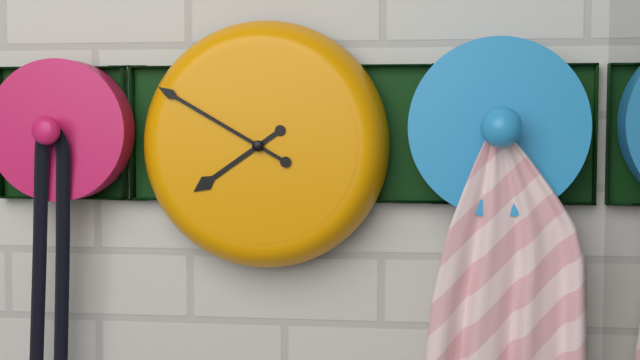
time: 7:50
